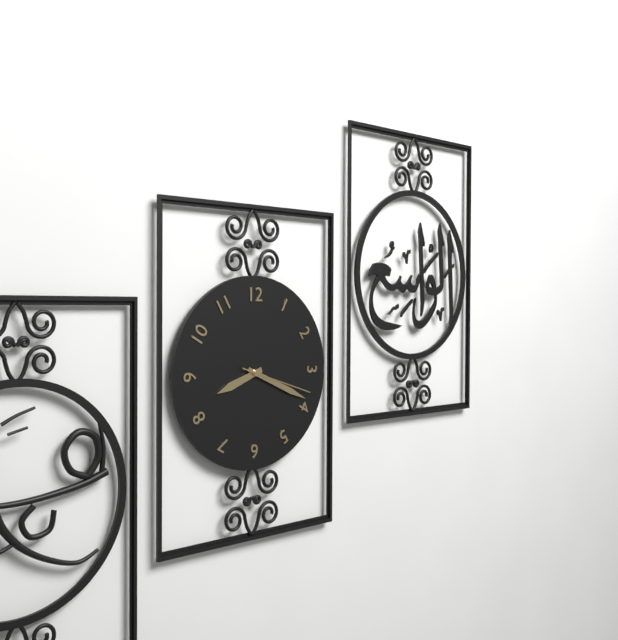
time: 8:19:18
